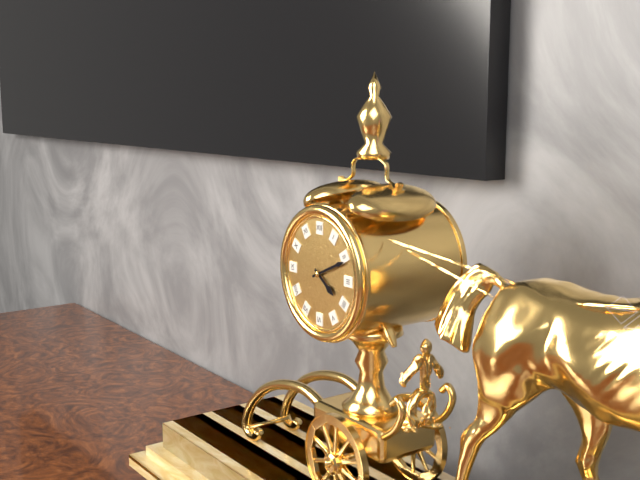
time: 4:11
